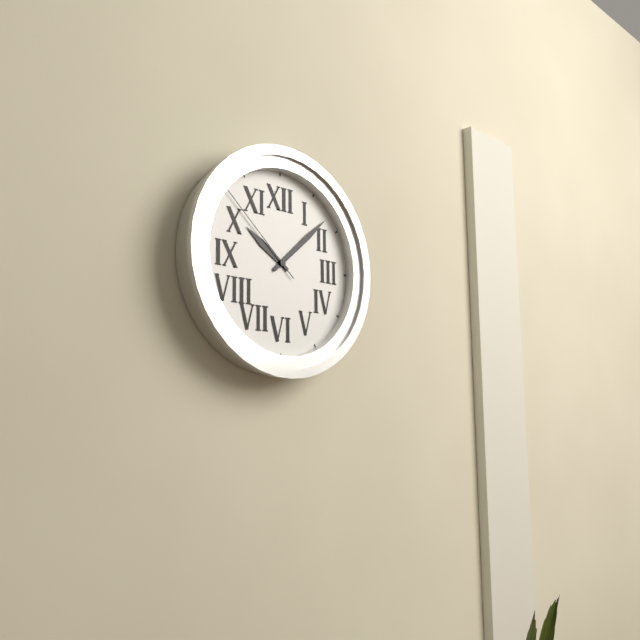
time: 10:08:52
